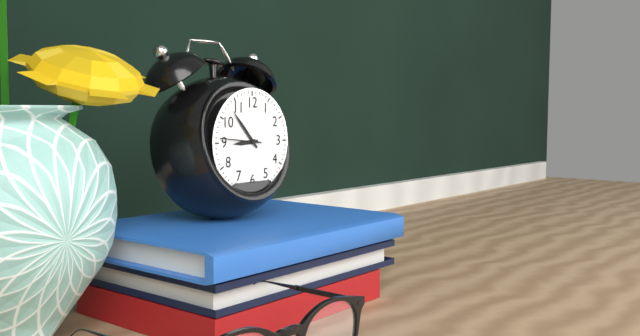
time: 8:53
